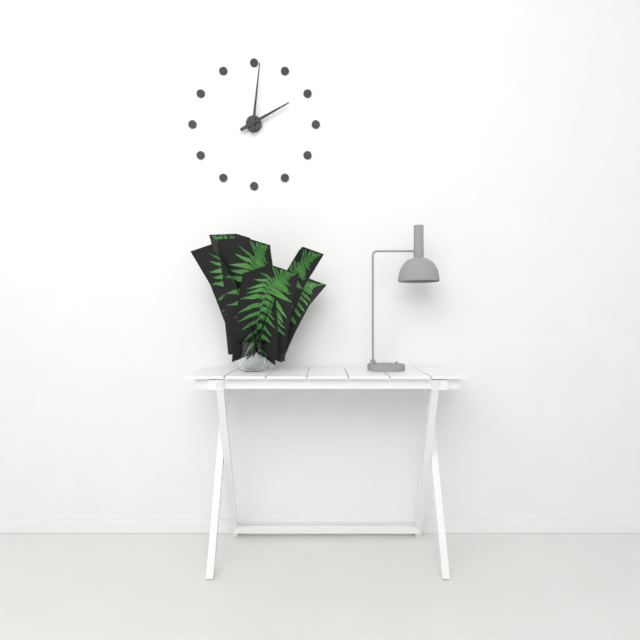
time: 2:01
